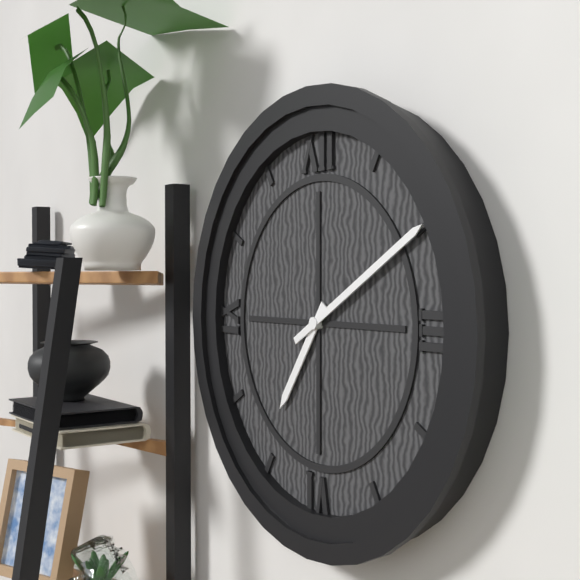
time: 7:10
